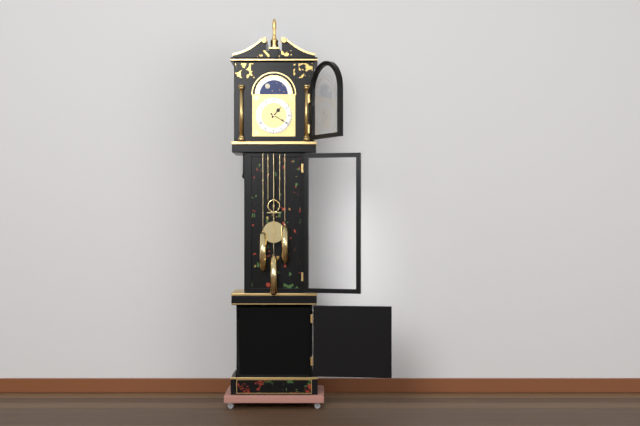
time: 1:20
